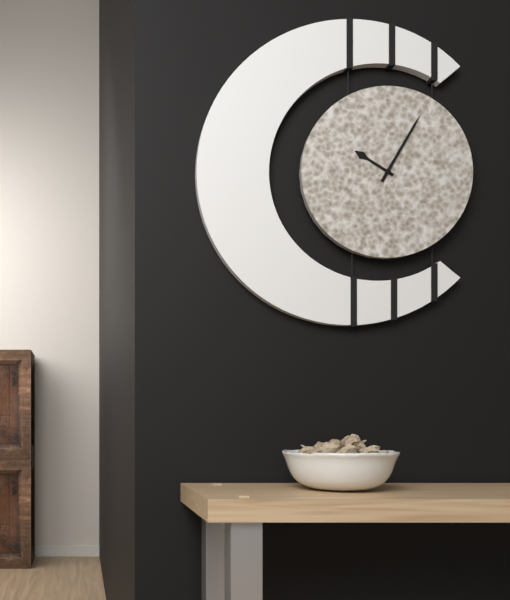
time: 10:05
